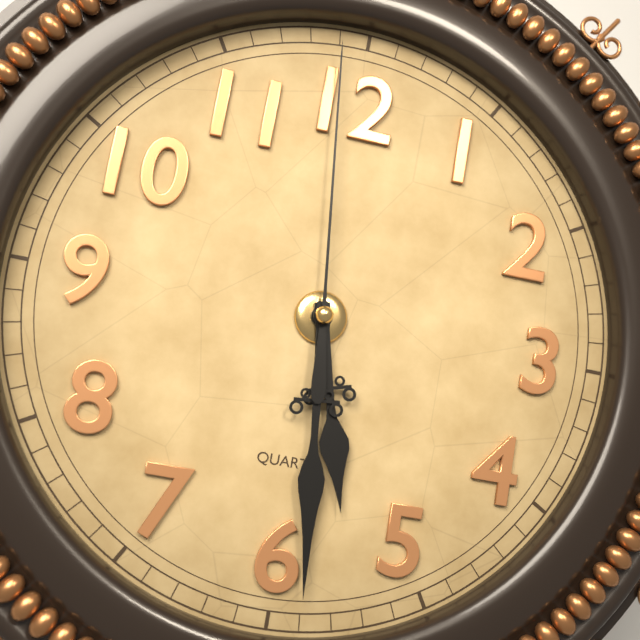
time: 5:29:59
